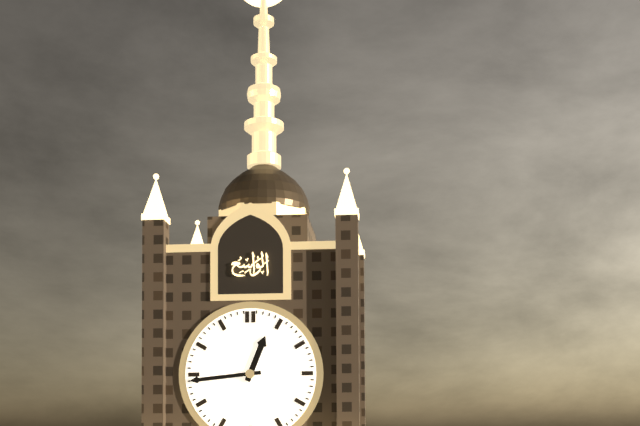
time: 12:44
